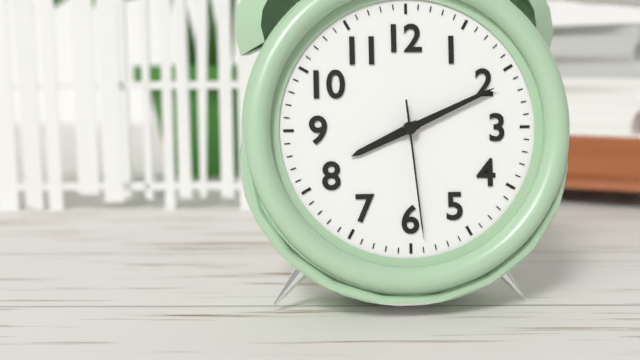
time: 8:11:29
